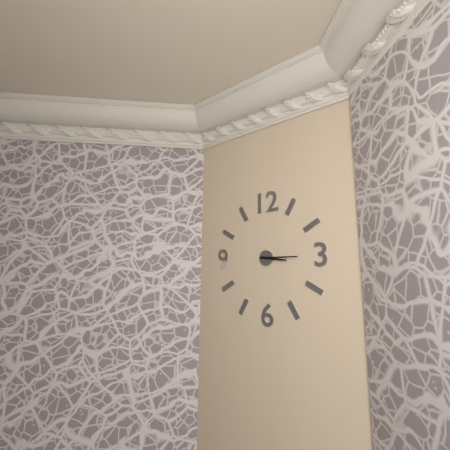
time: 3:15
